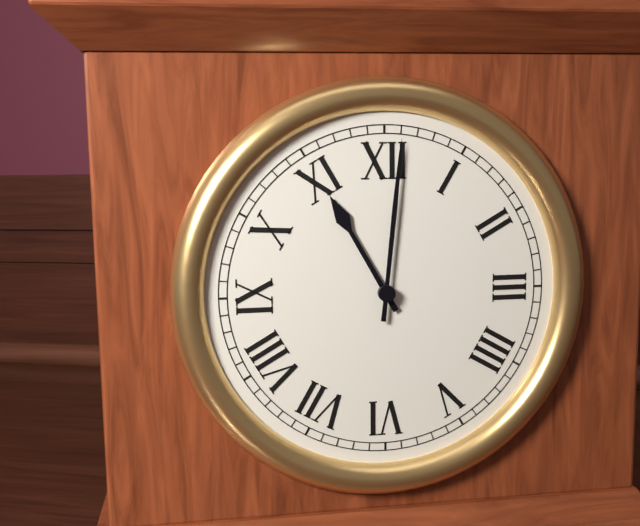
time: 11:01
